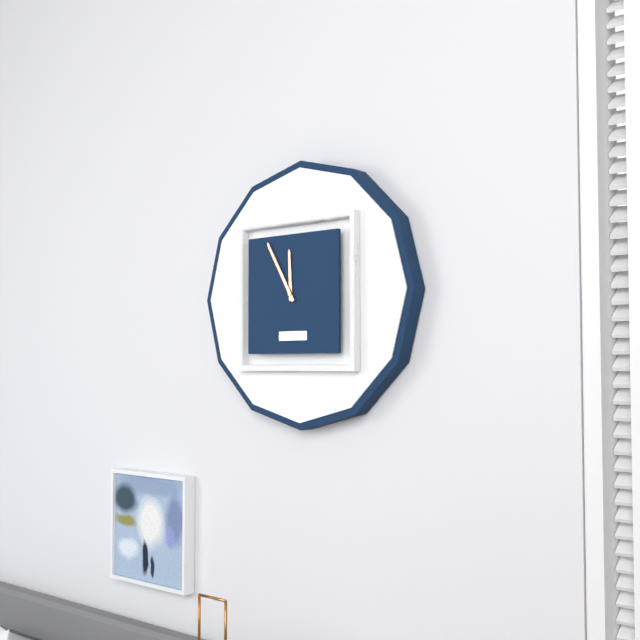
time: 11:55
